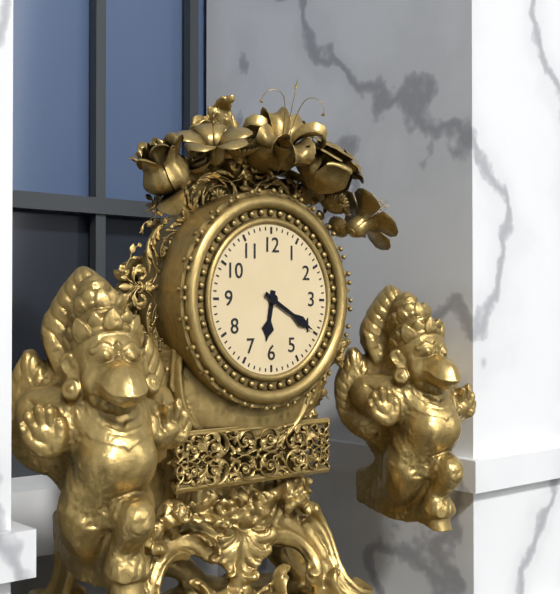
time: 6:20
